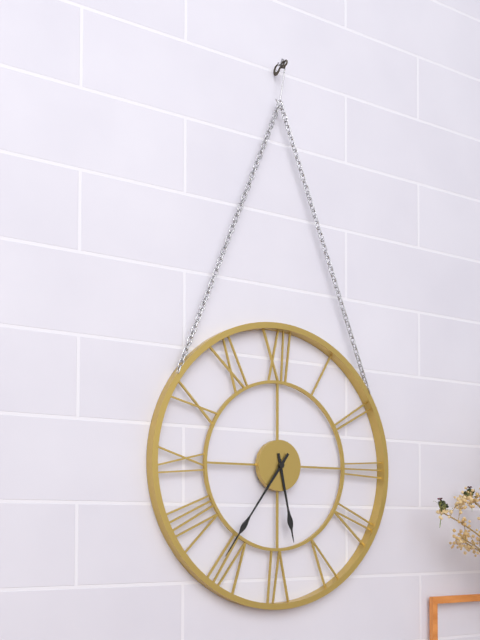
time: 5:36
